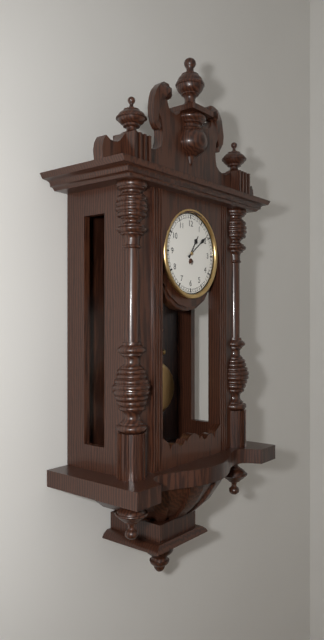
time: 1:09
